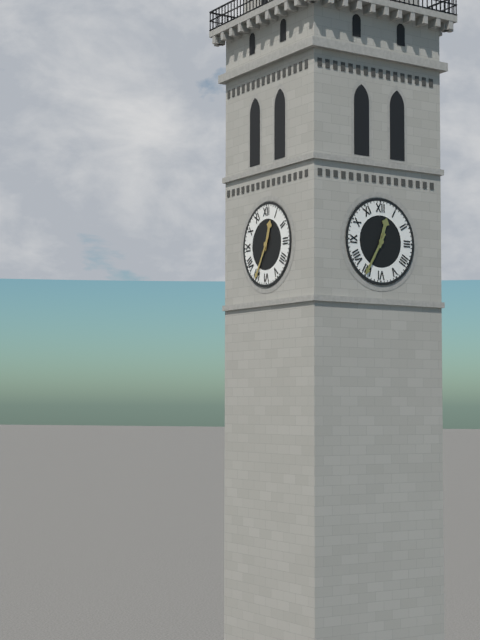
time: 12:35
